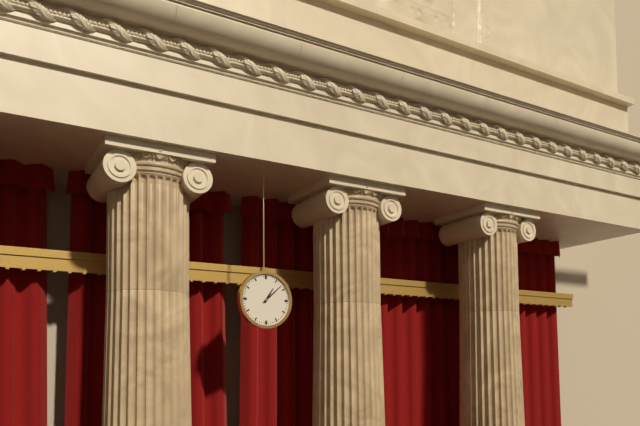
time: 1:08
